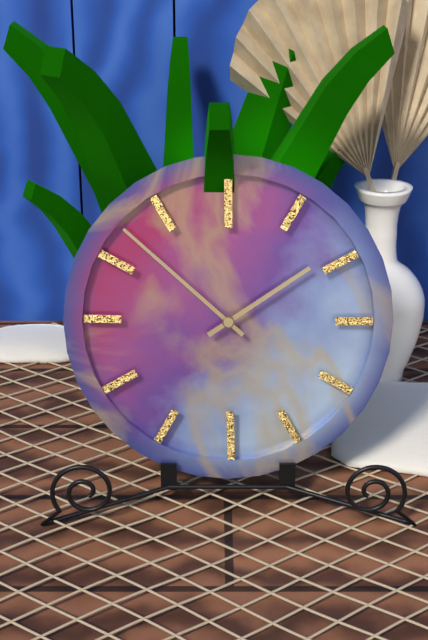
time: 1:52
